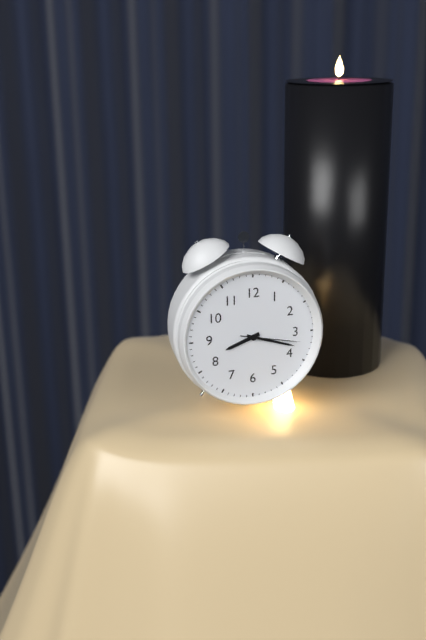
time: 8:18:17
